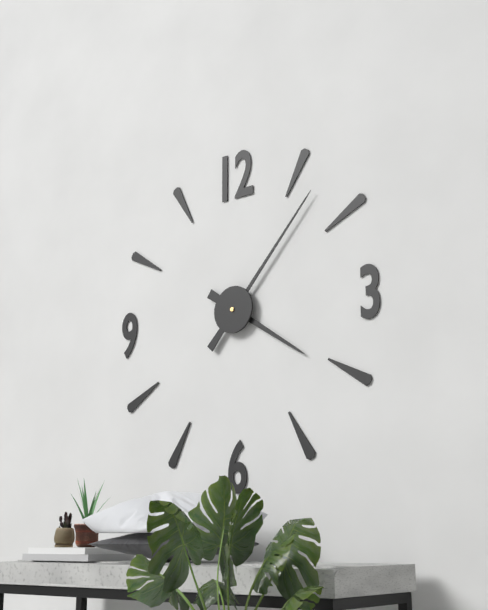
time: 4:07
